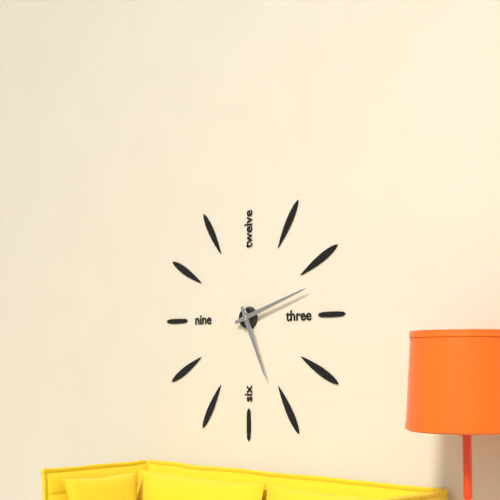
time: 5:12
